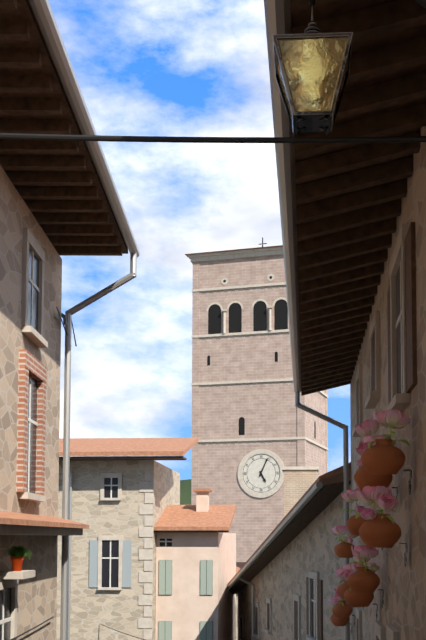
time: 5:04
